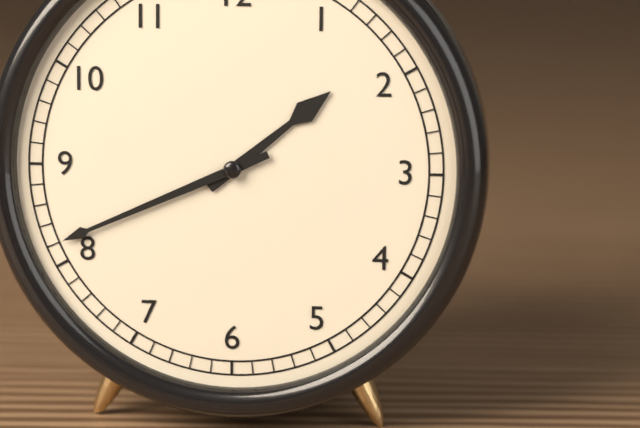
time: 1:41
